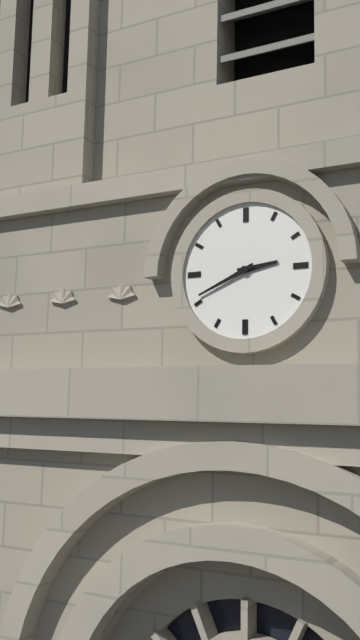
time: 2:41
